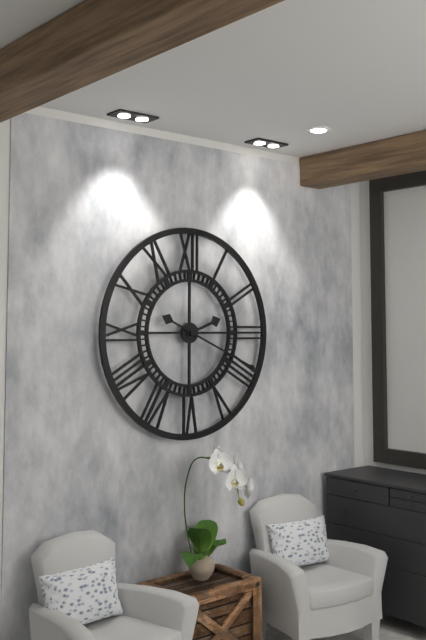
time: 2:19
